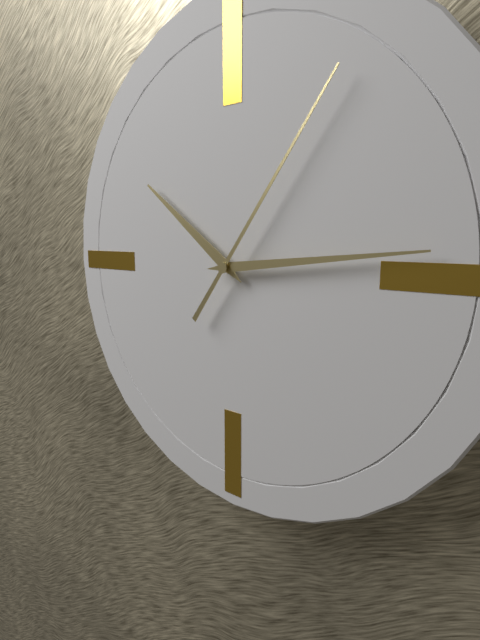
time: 10:14:06
